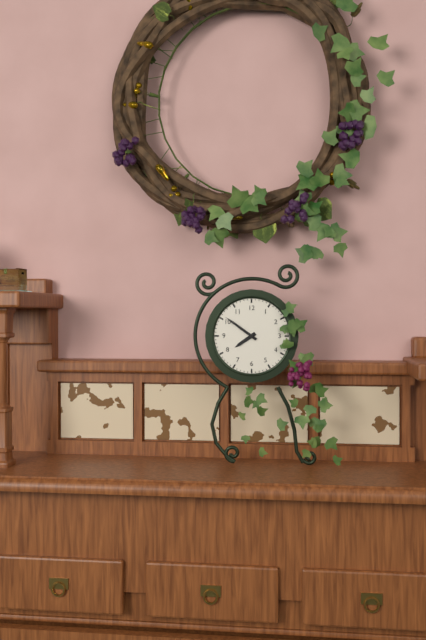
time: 7:51
